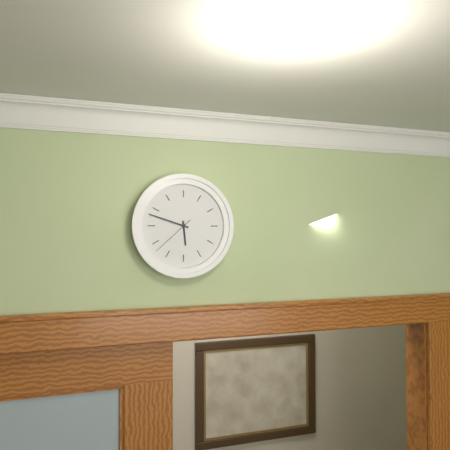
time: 5:48
